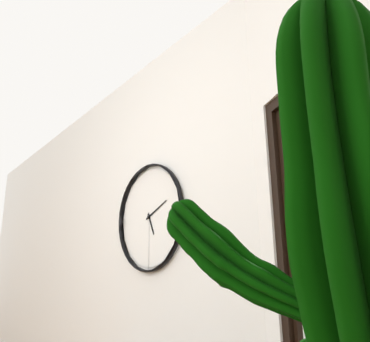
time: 5:11
